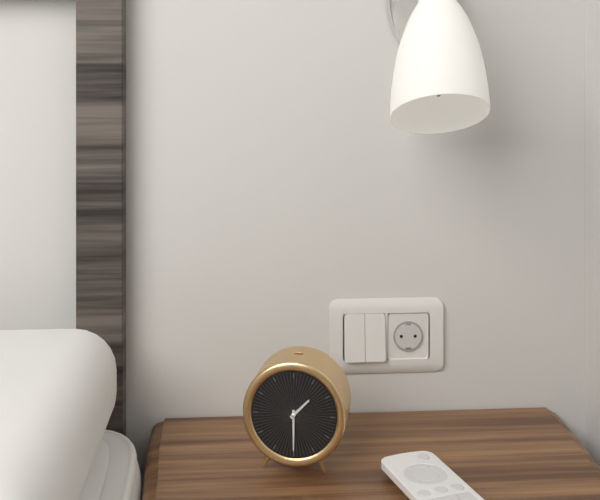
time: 1:30
